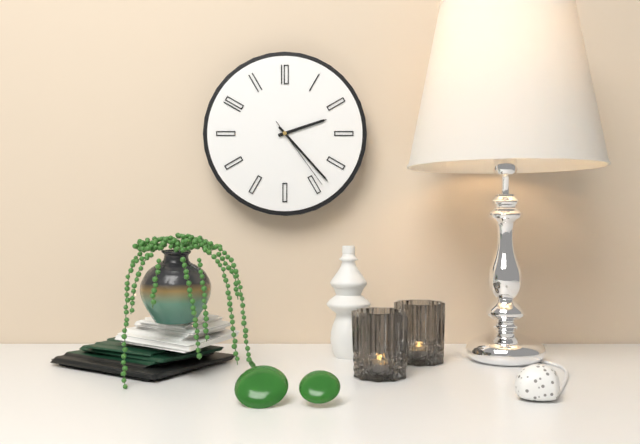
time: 2:23:24
